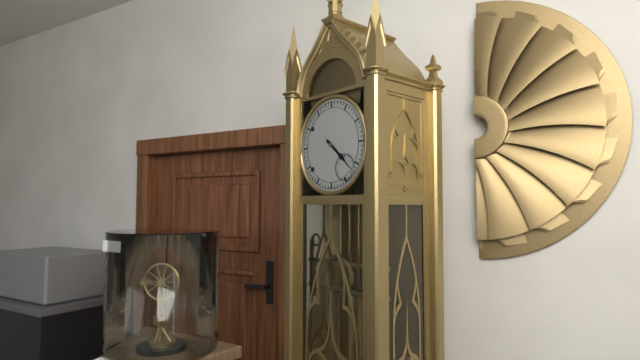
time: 4:22
